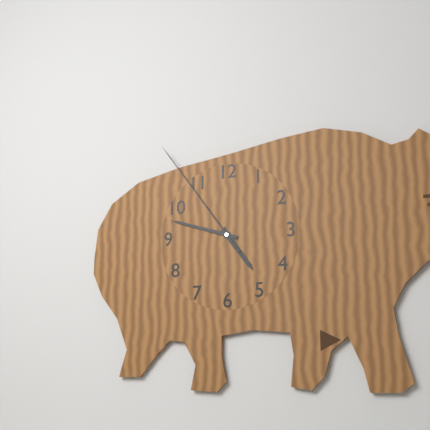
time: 4:48:54
